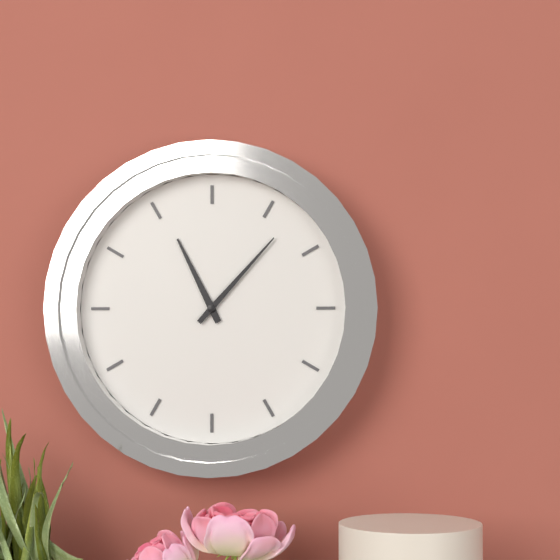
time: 11:07
